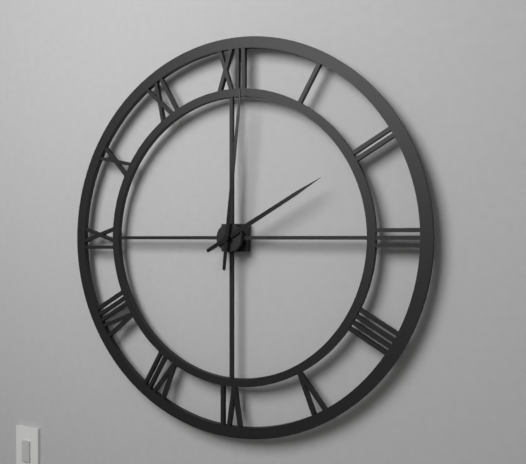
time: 2:01
